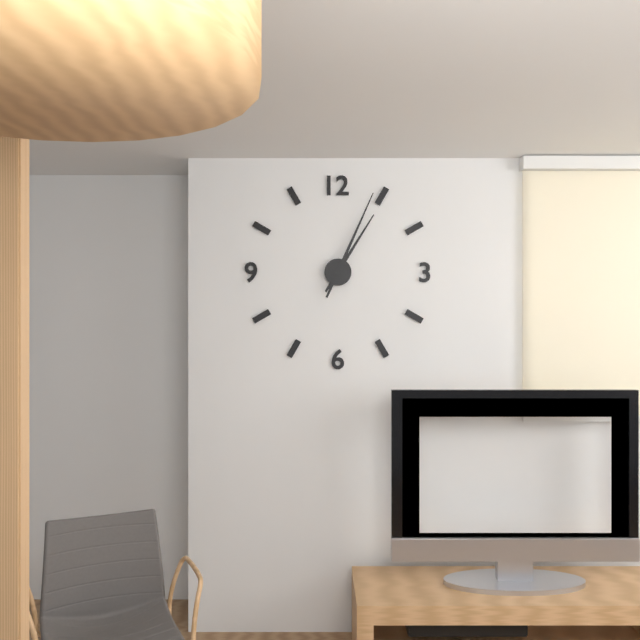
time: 1:04
